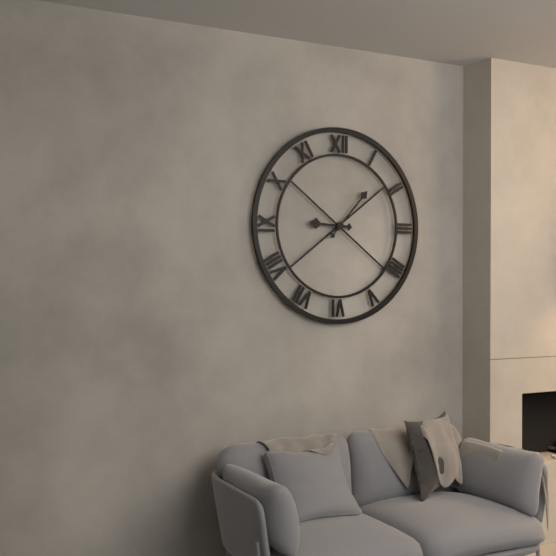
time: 9:07
